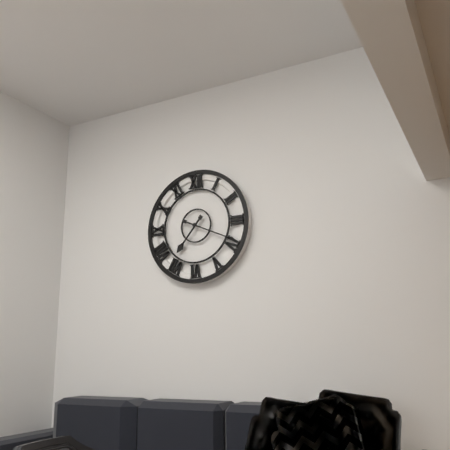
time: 7:19
